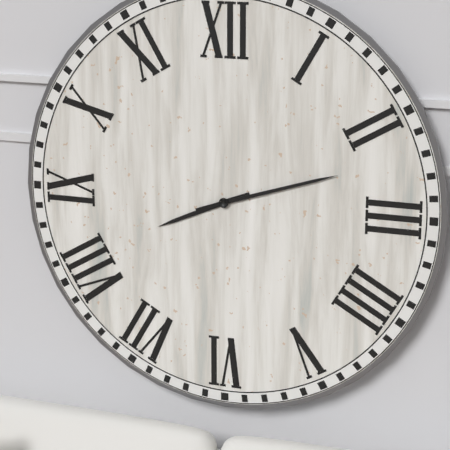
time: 8:12
